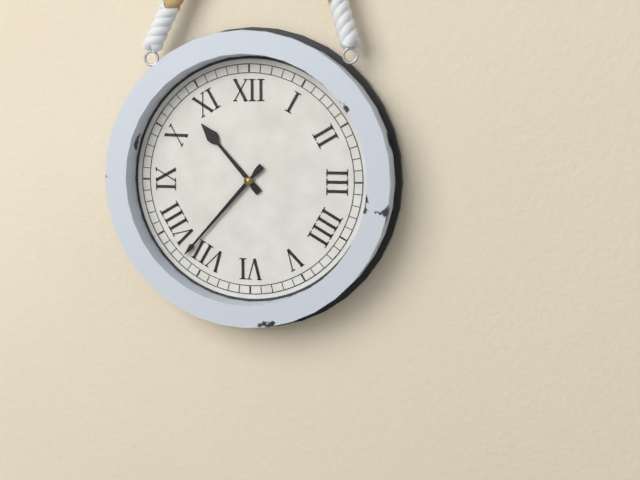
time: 10:37
